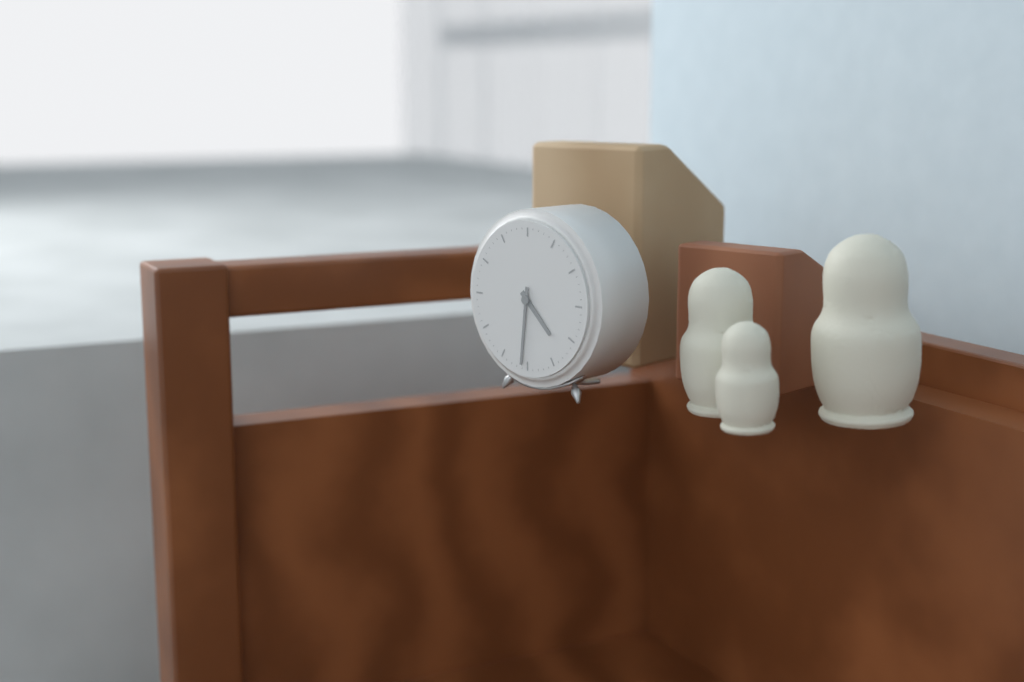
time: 4:31
